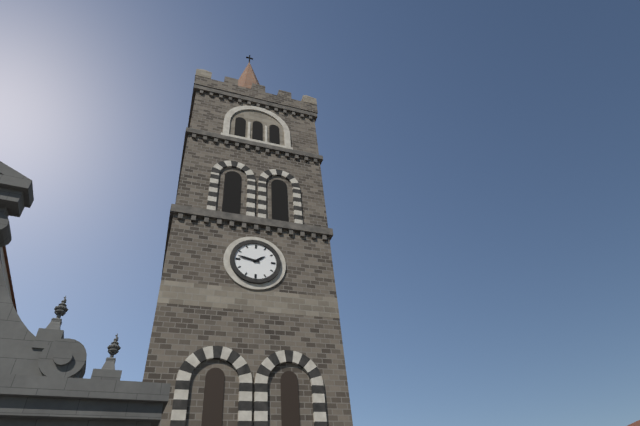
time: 1:47
